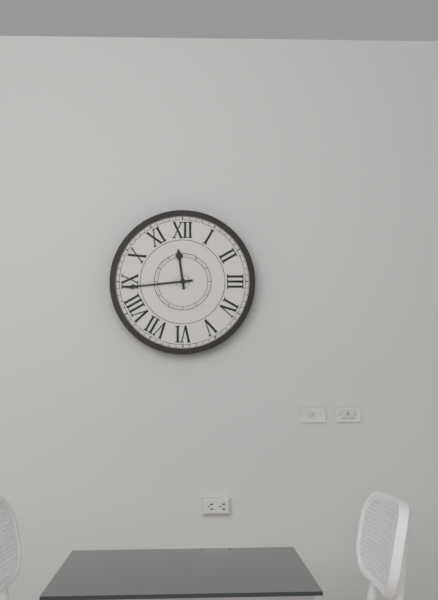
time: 11:44
